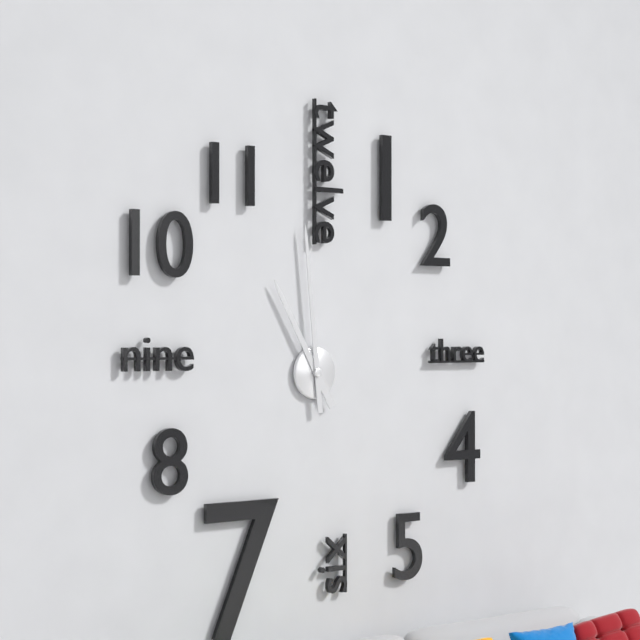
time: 10:59
